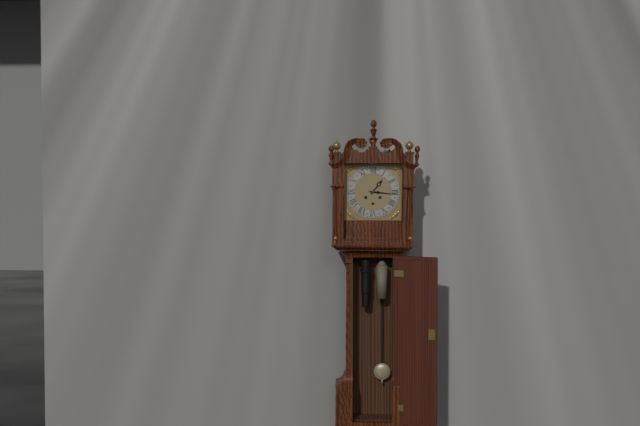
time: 1:16
